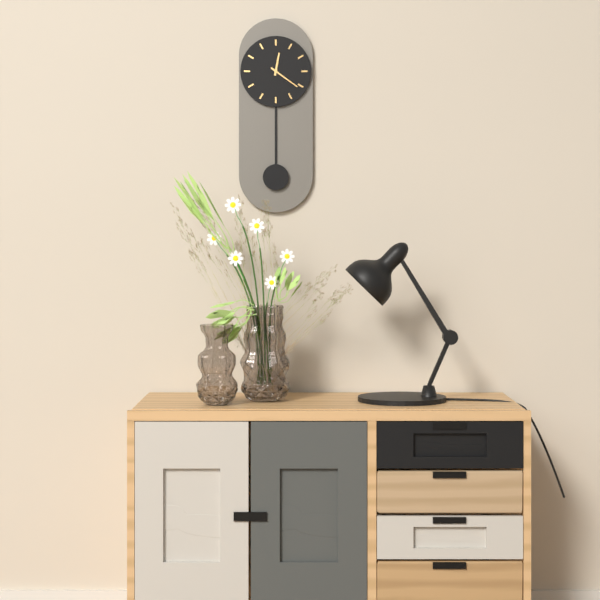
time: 12:21
